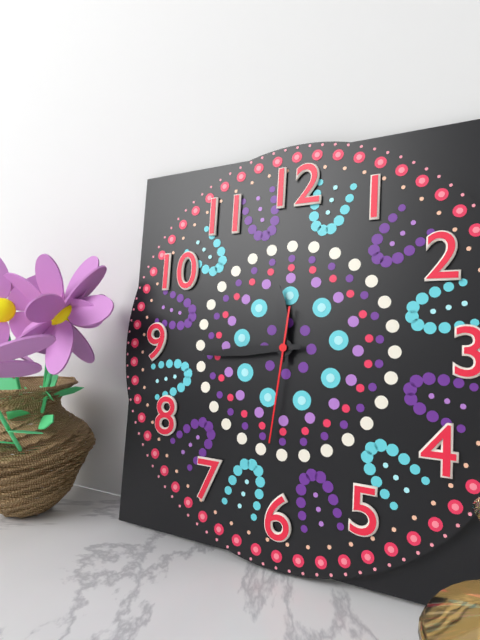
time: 11:44:31
